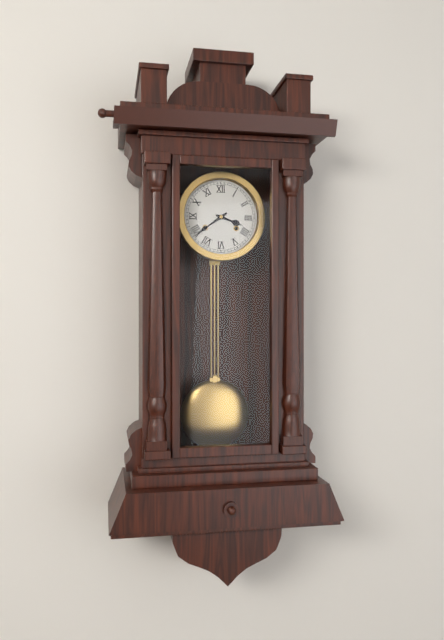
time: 3:39
